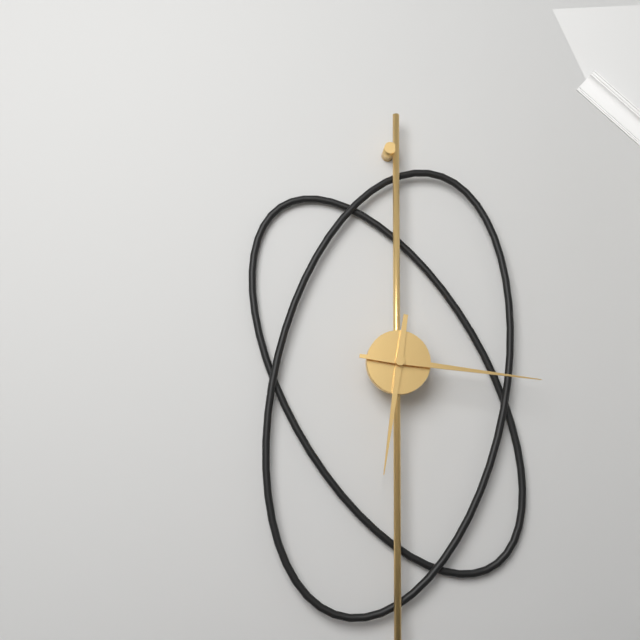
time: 6:16
